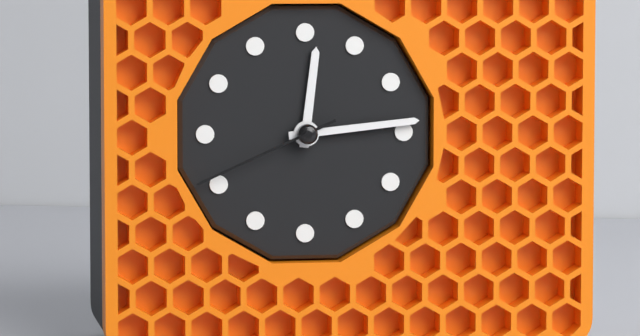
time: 12:14:41
